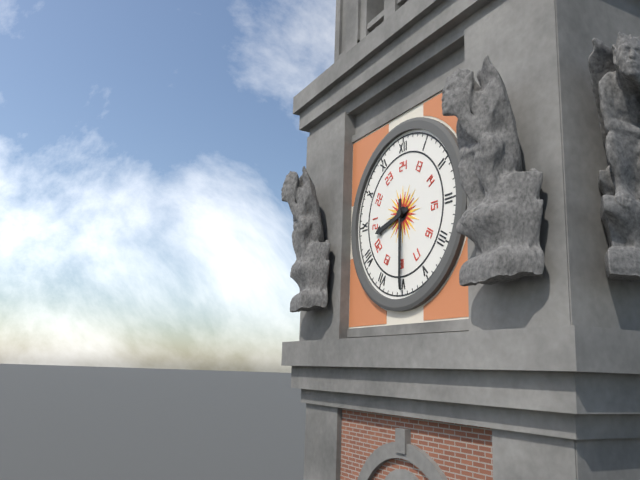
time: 8:30
